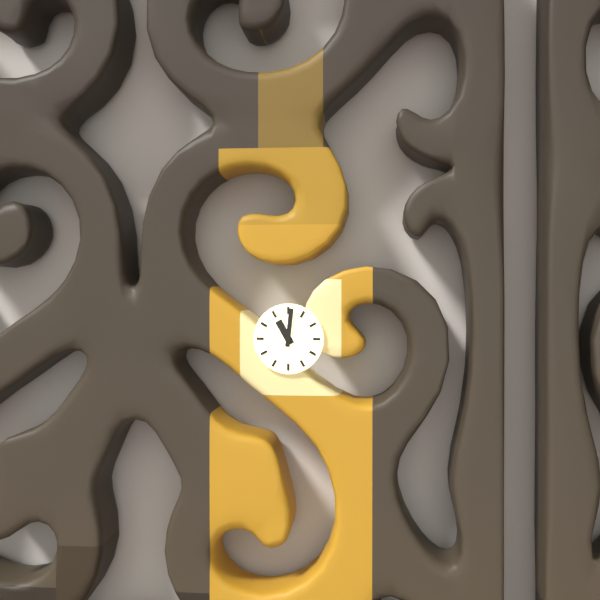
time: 11:01
